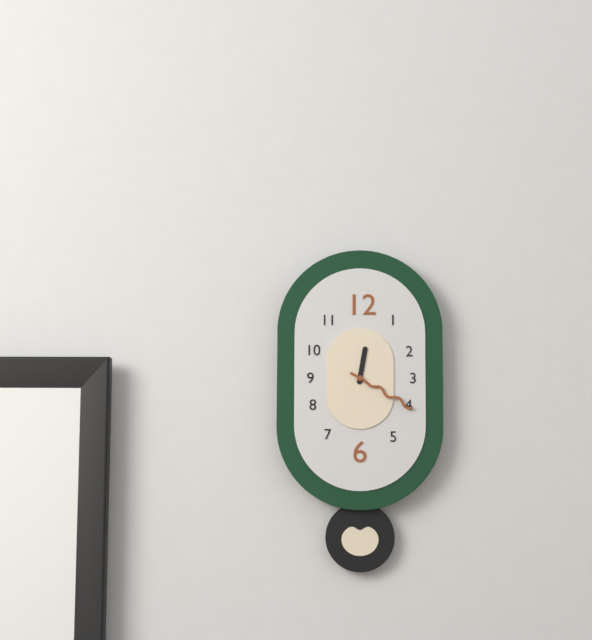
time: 12:20
